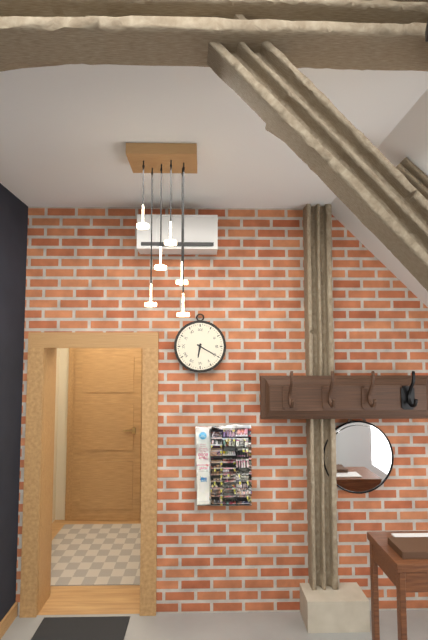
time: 6:20
